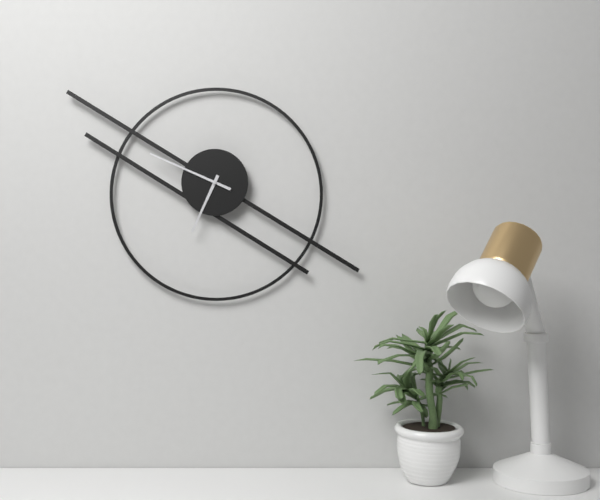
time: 6:49
